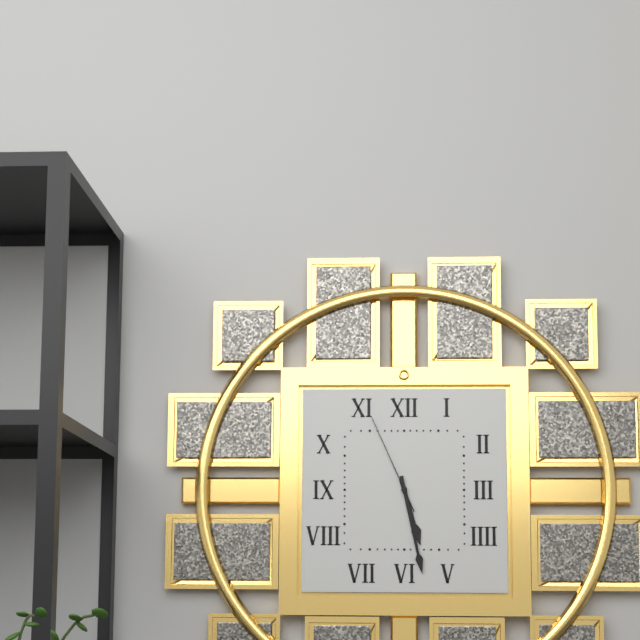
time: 5:28:56
